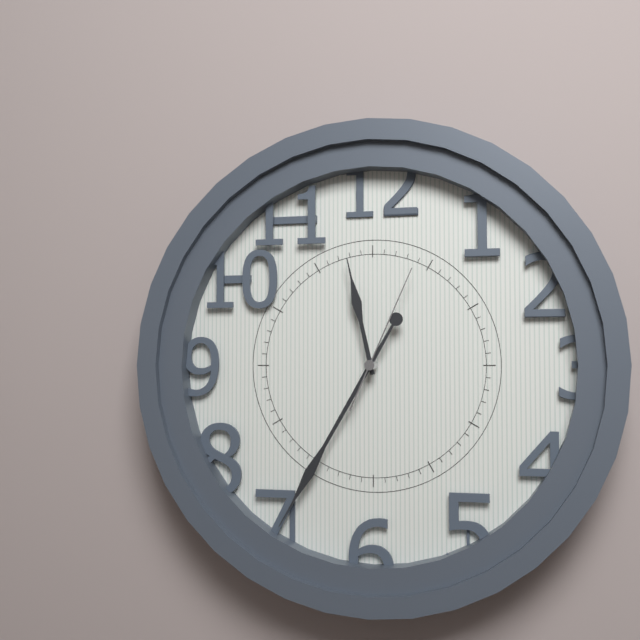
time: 11:35:04
